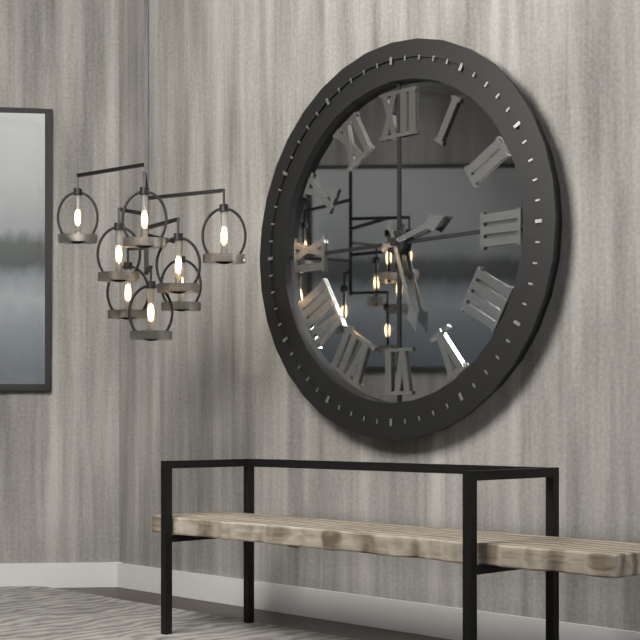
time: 2:27
